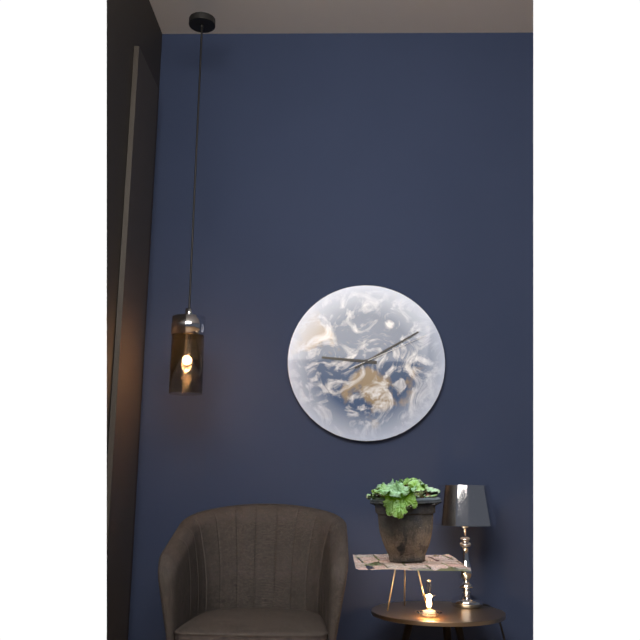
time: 9:10:11
